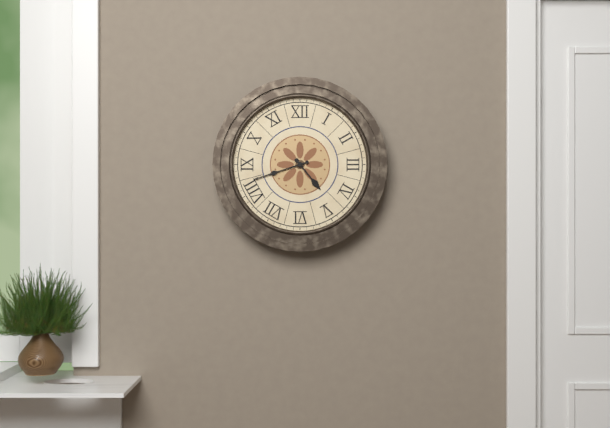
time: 4:42
